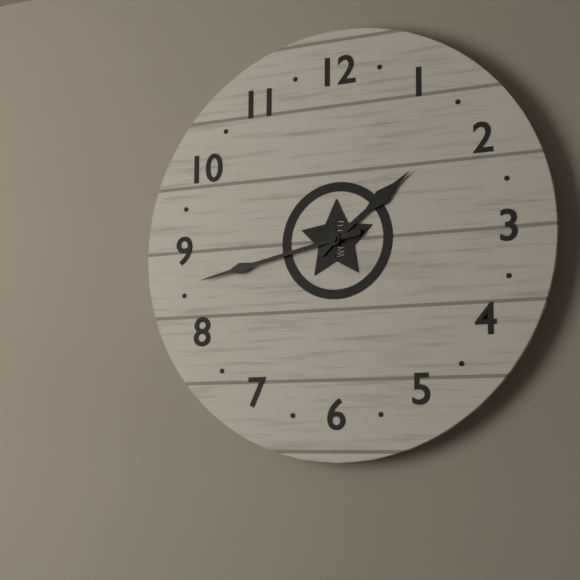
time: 1:43
